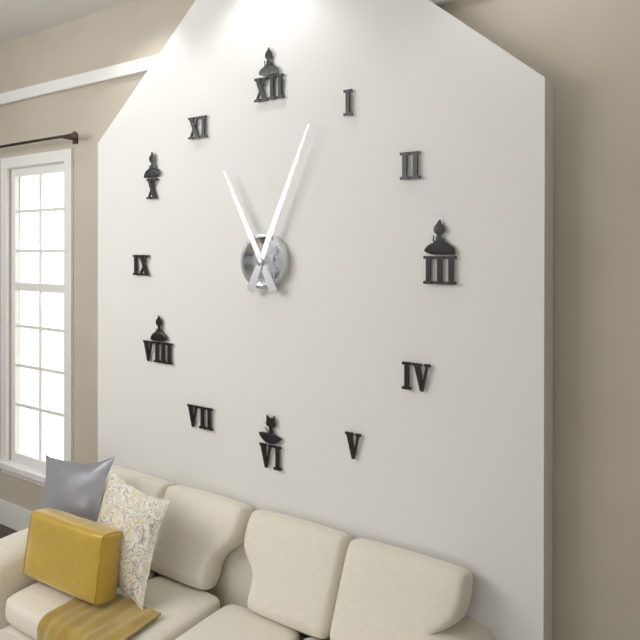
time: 11:04
